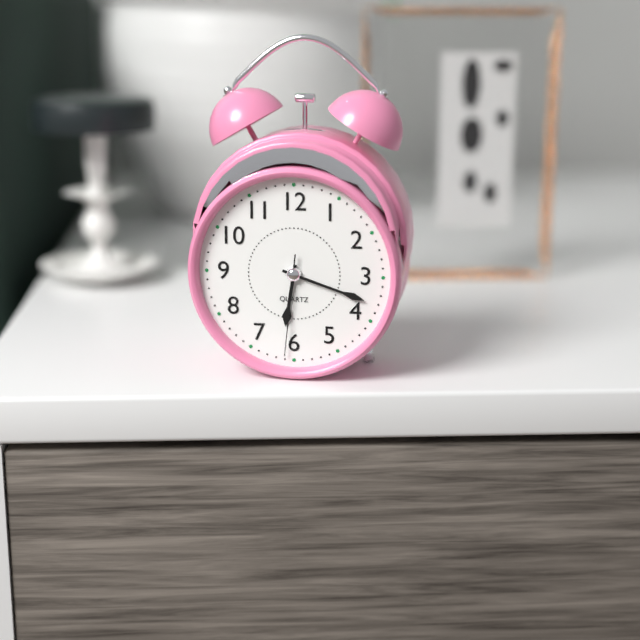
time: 6:18:31
